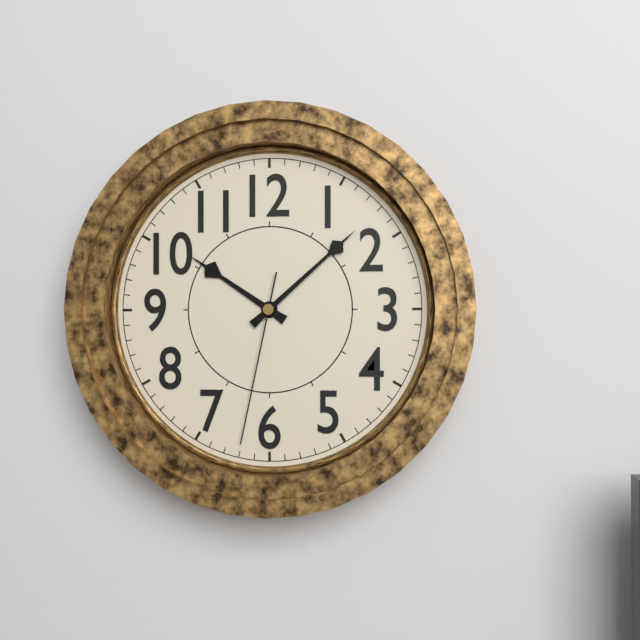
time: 10:08:32
